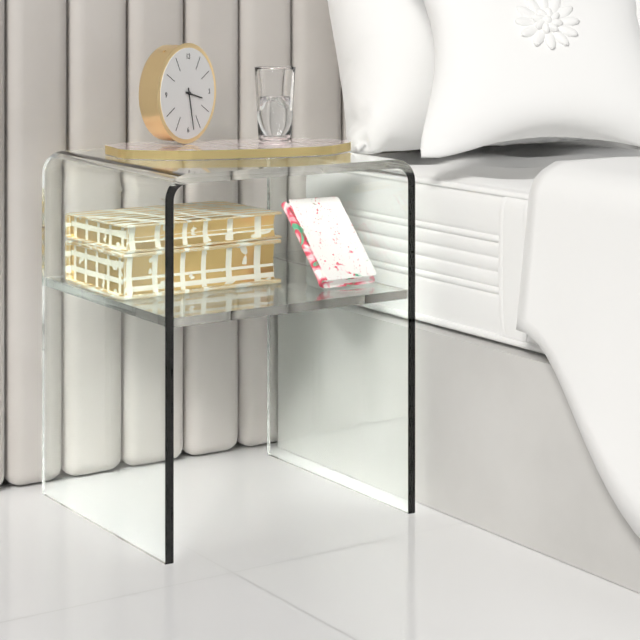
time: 3:28
